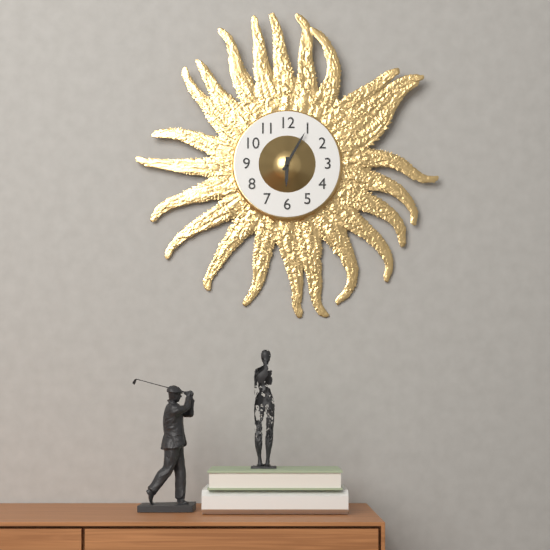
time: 6:05
